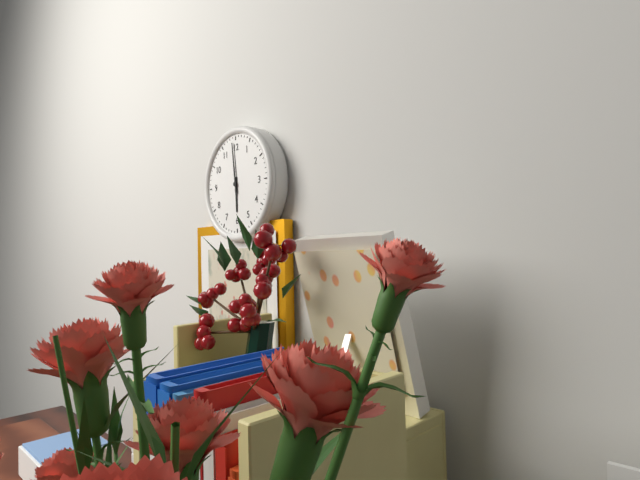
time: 5:59
